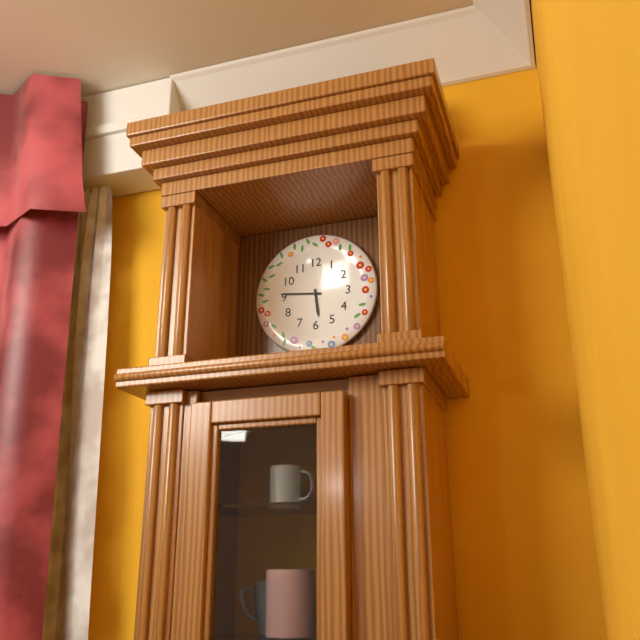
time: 5:46
